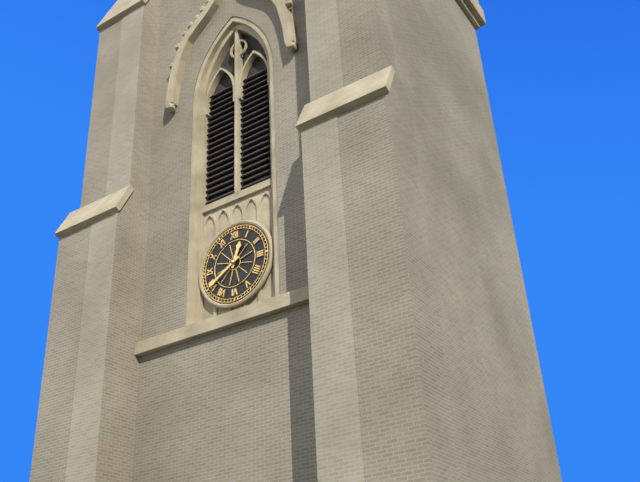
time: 12:40
